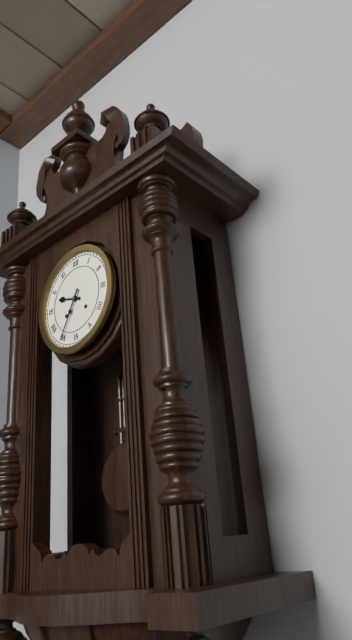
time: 9:35
